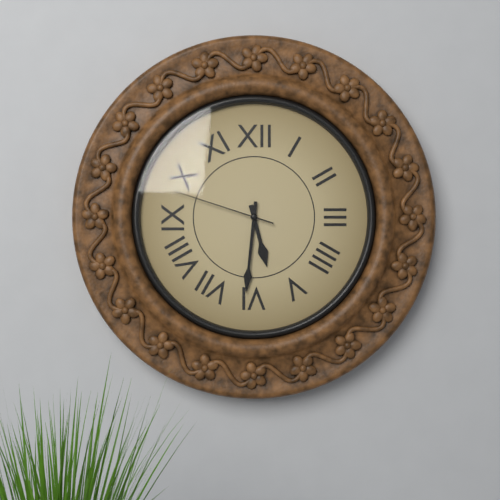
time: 5:31:48
